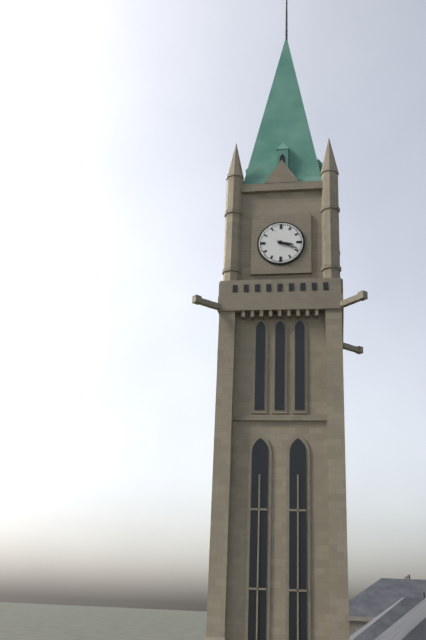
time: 3:19
